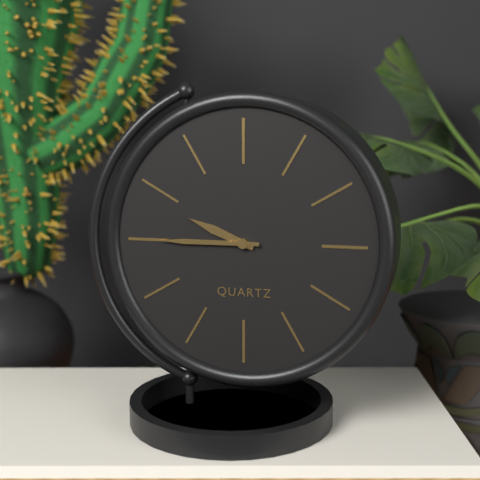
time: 9:45
